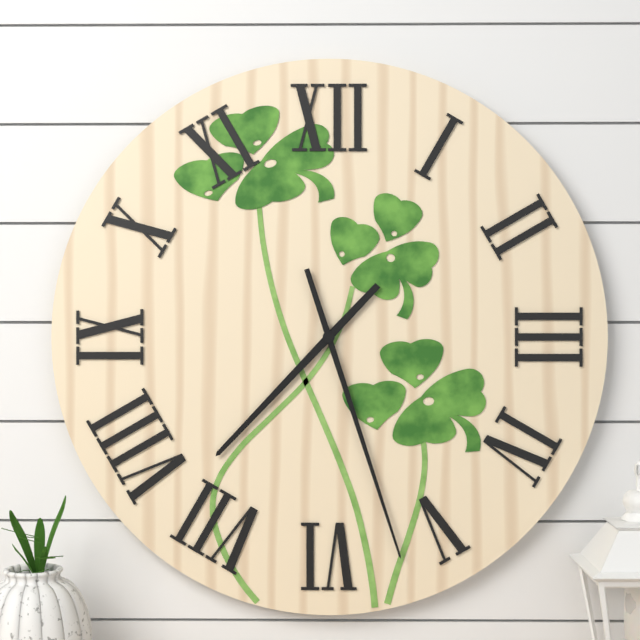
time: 7:27
